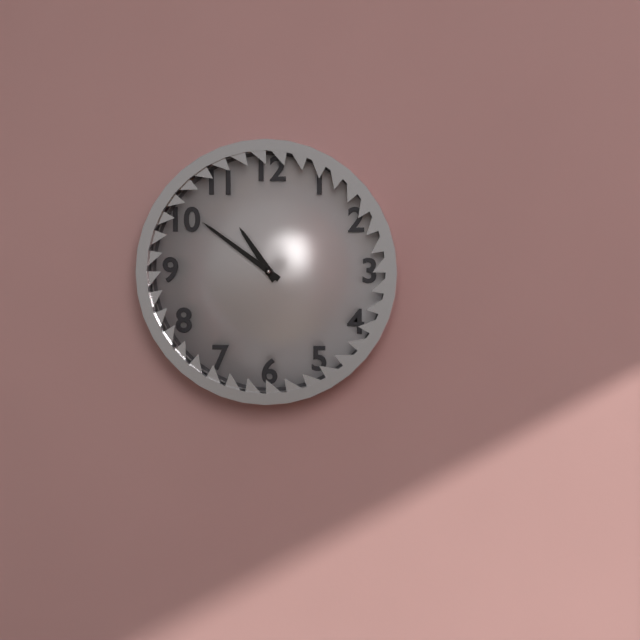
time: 10:51
